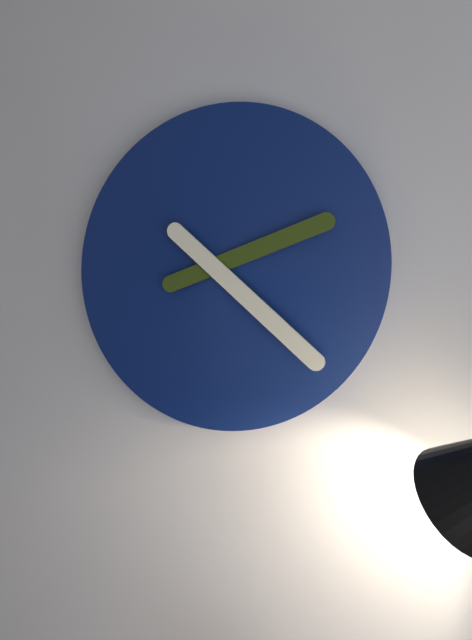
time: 2:22
